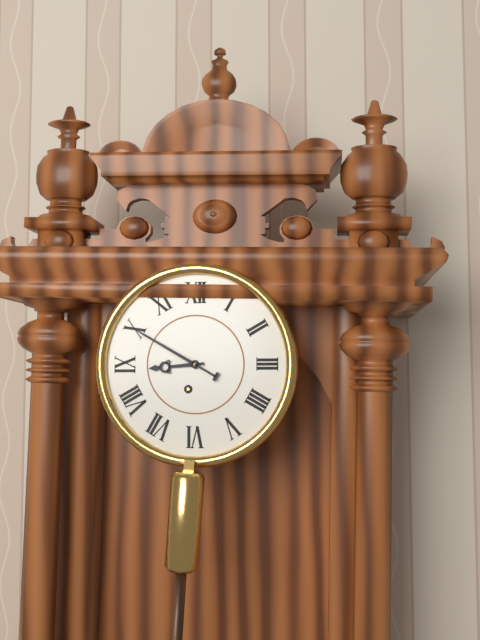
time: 8:50
